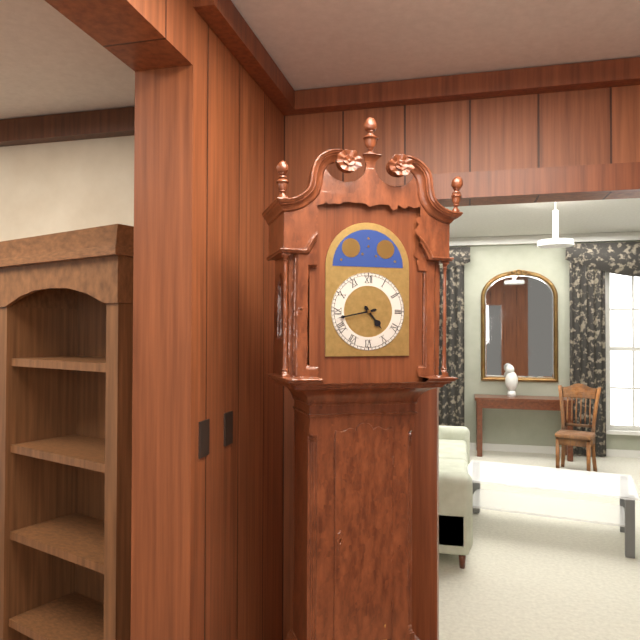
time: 4:43
